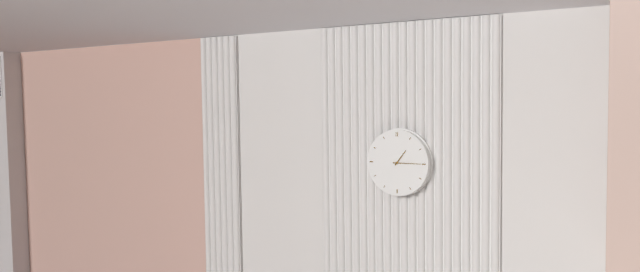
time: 1:15
